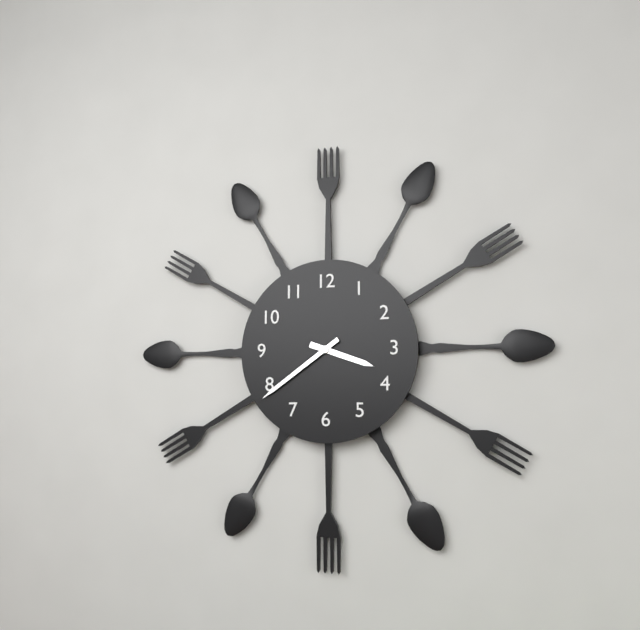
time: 3:39
